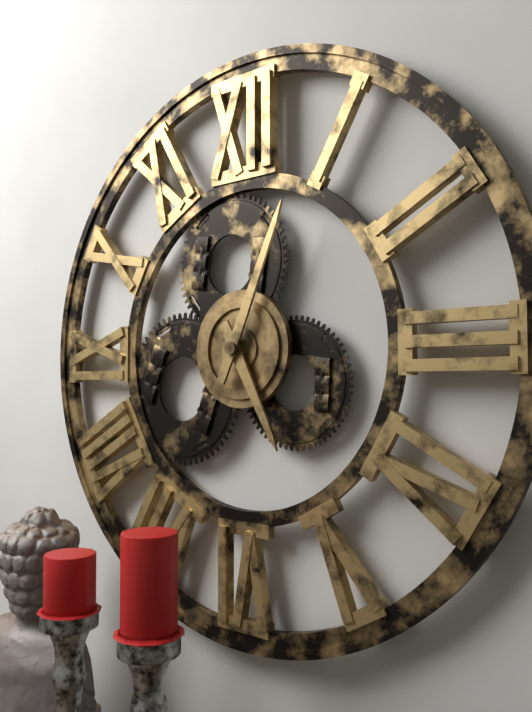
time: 5:04
